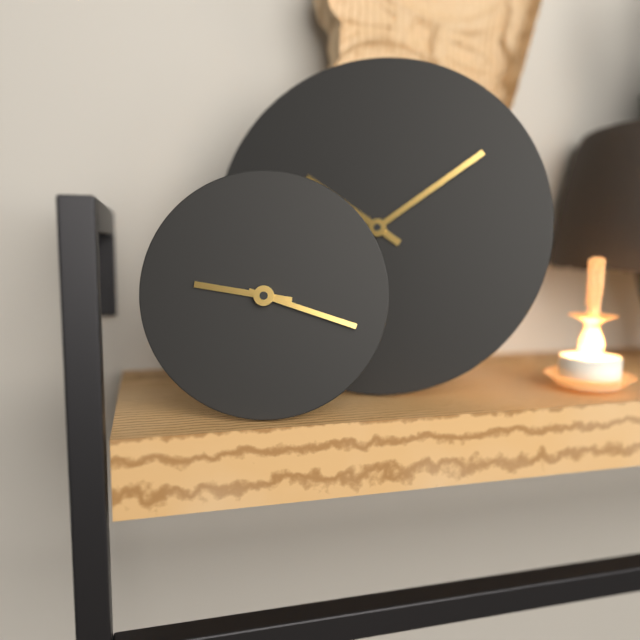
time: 9:18
